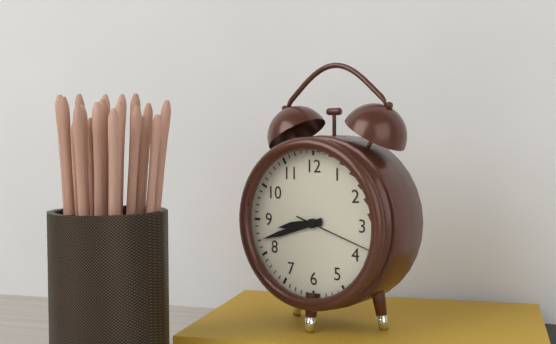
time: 8:42:18
